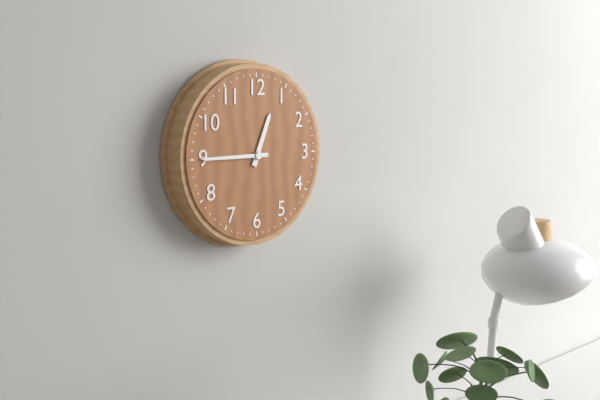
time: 12:45
